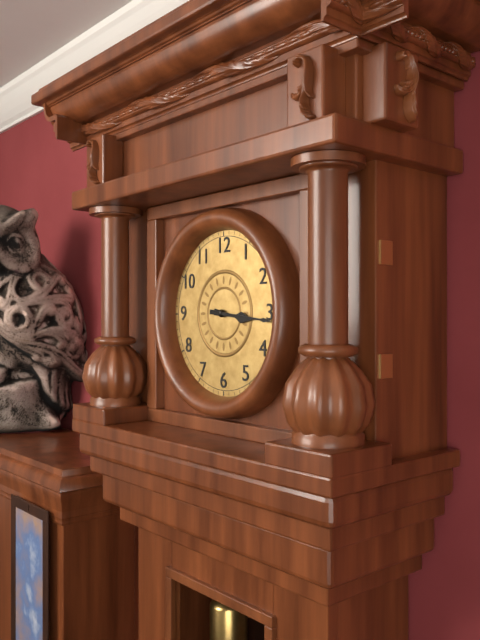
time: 3:16
